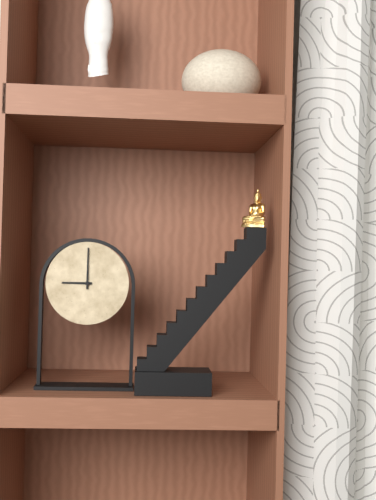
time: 9:00
